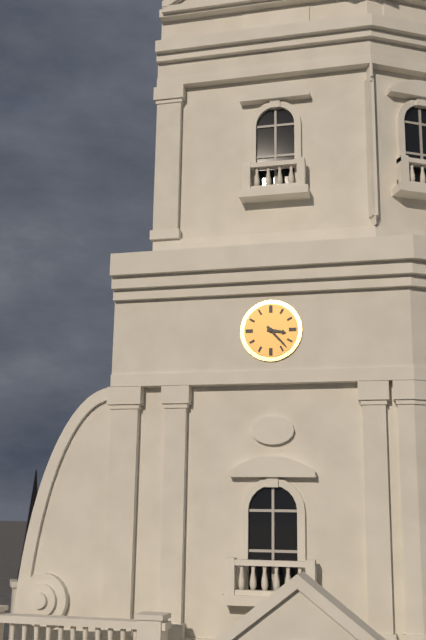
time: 3:23
